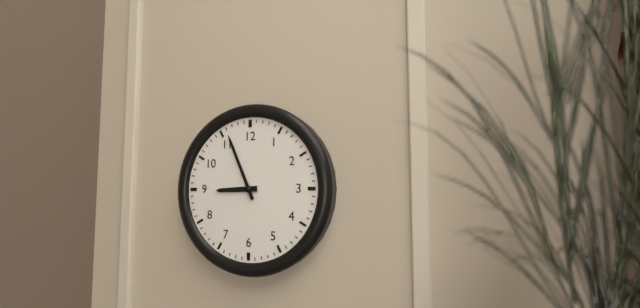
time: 8:56
